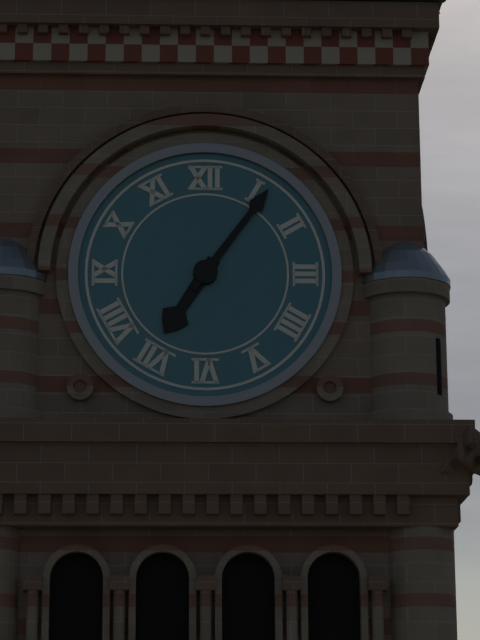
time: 7:06
